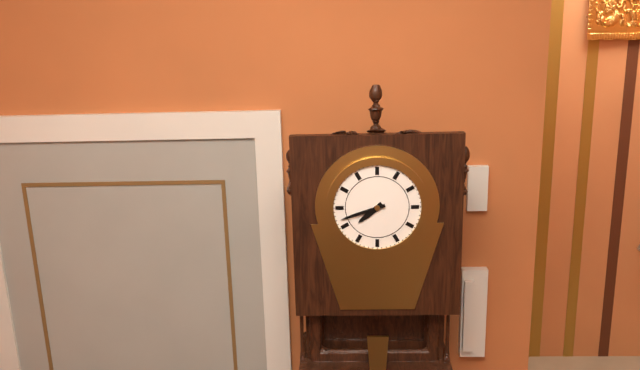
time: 7:42
